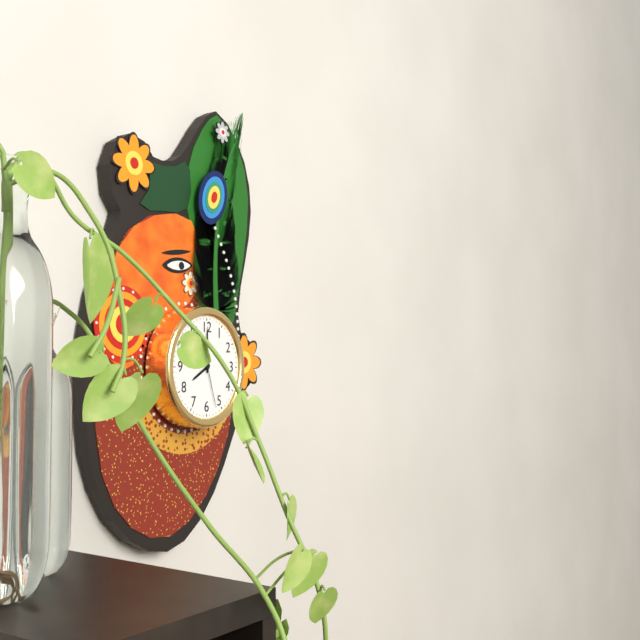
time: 8:00:27
